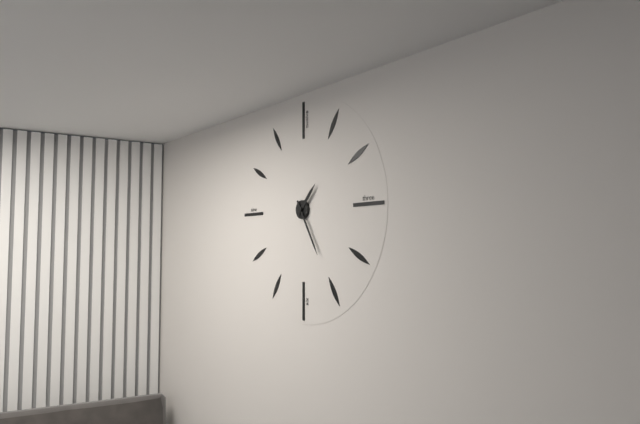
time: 1:25
